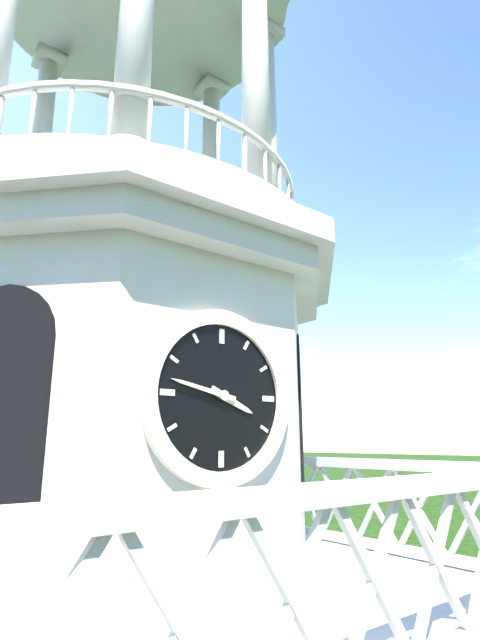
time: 3:47
